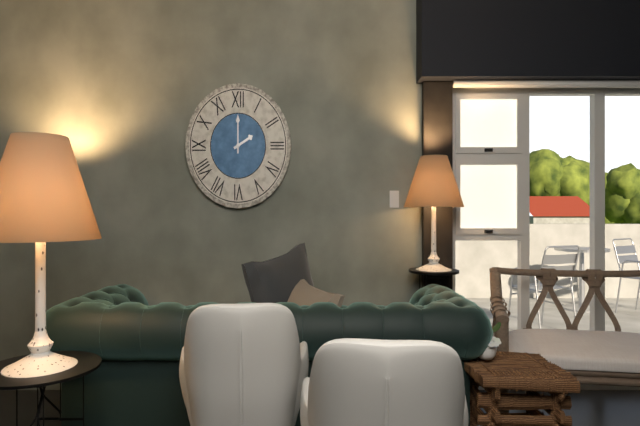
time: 2:00
